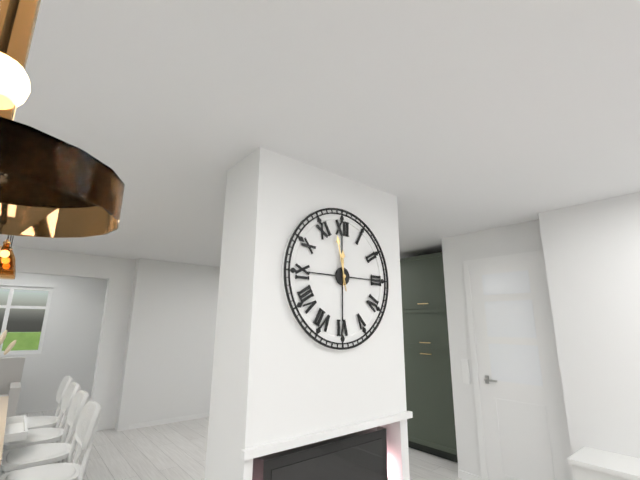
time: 11:58
